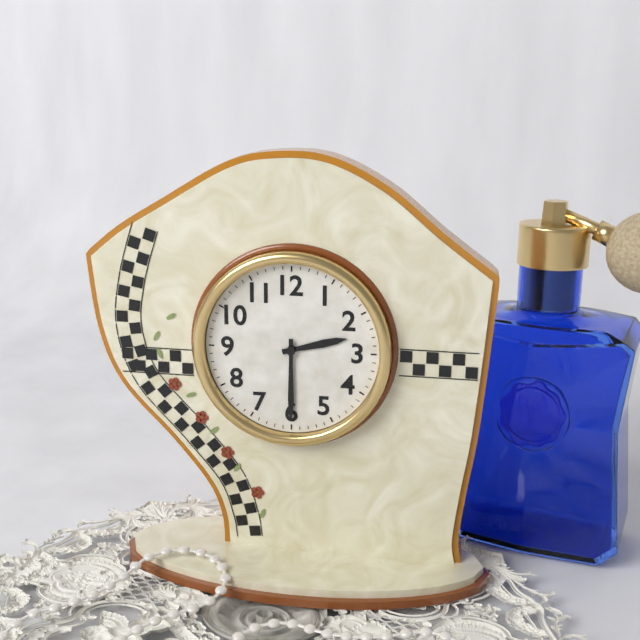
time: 2:30
